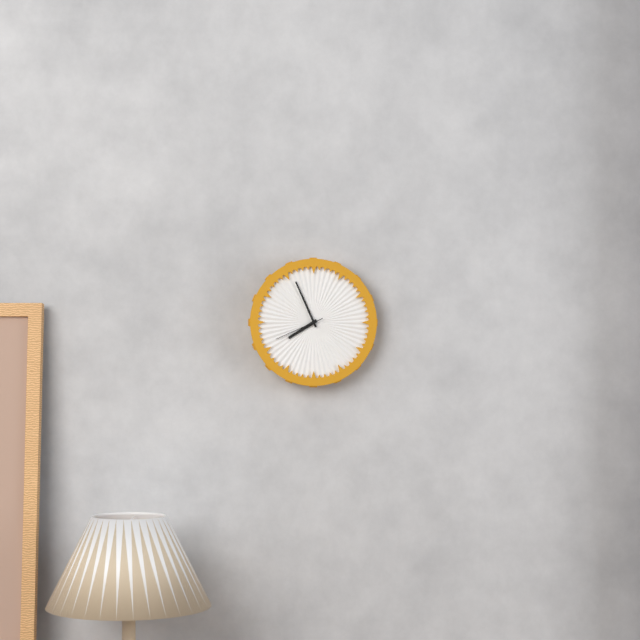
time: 7:56:41
